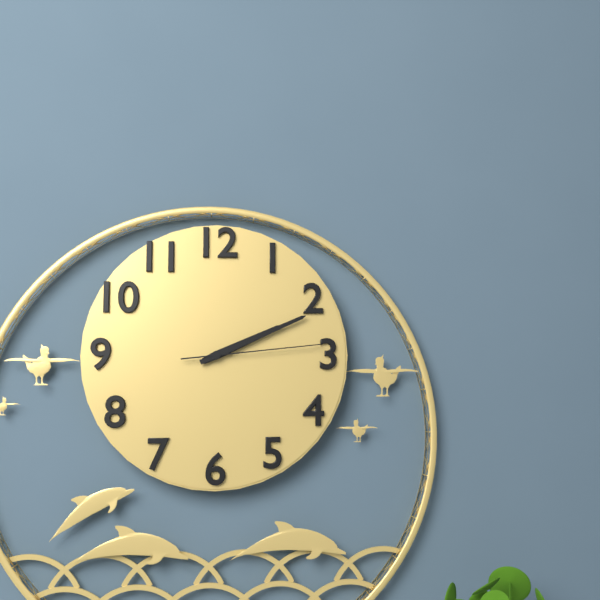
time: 2:11:14
